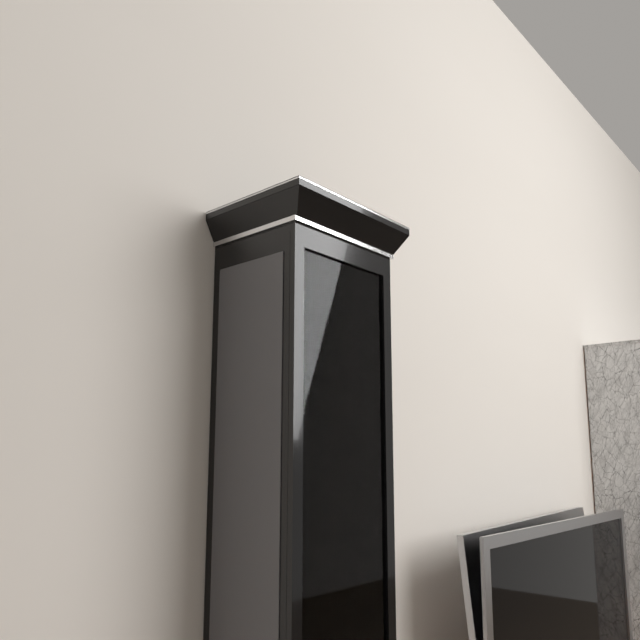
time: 12:41
